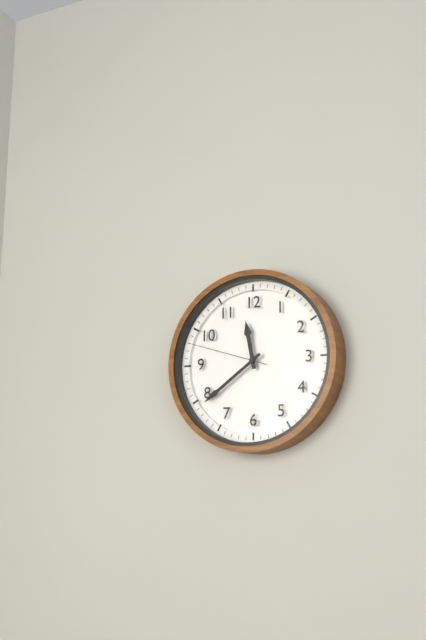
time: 11:39:48
